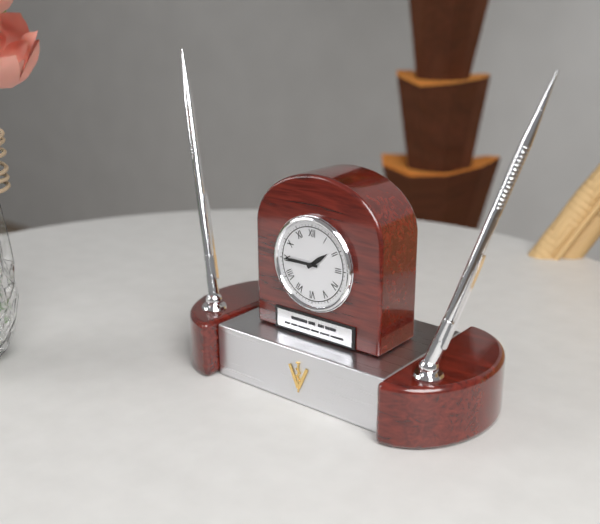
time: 1:45
